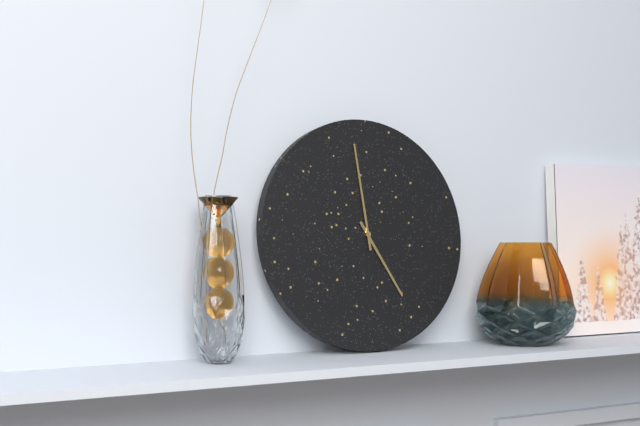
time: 4:59
